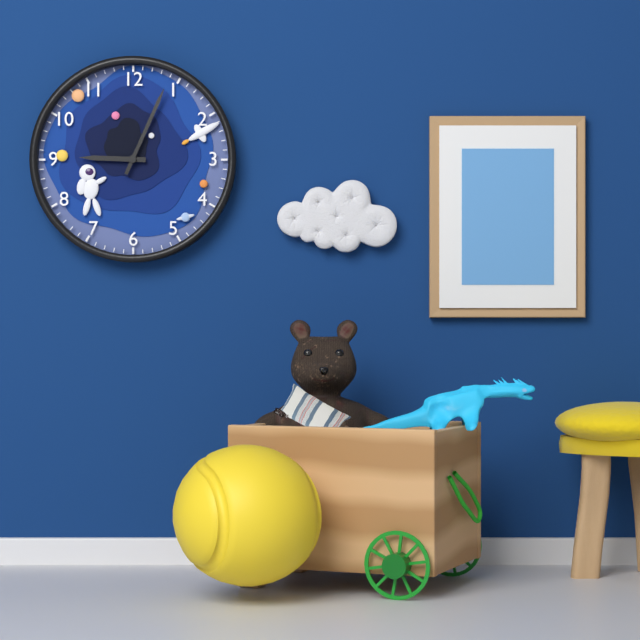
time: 9:04
